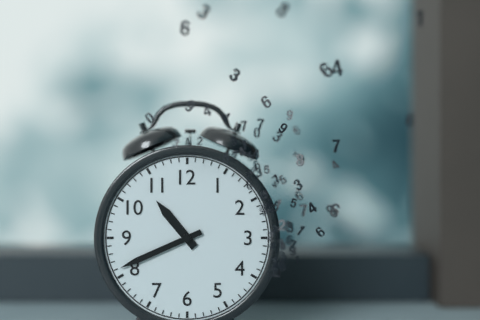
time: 10:41
